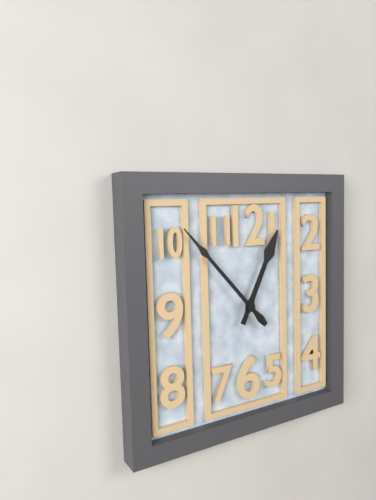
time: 12:53
